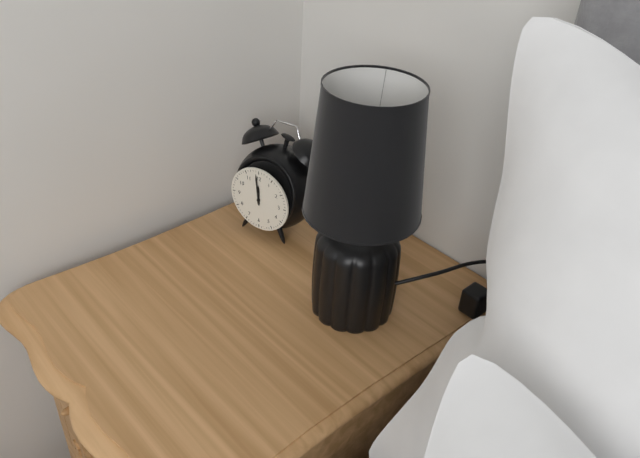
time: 11:59
